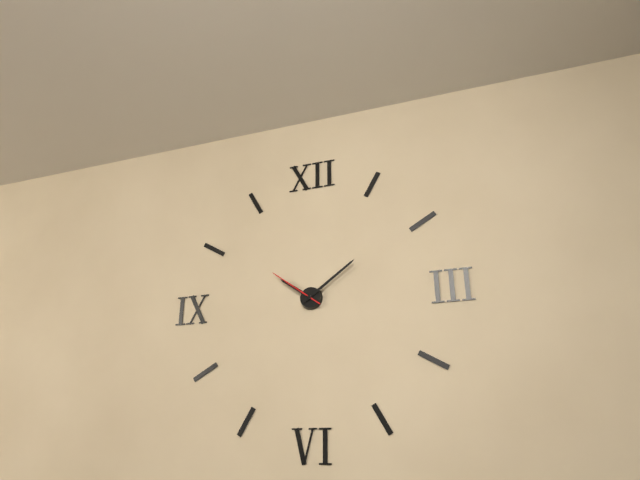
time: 10:09:51
